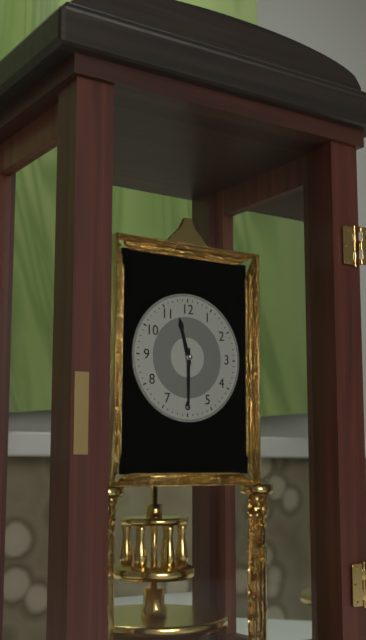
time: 11:30
